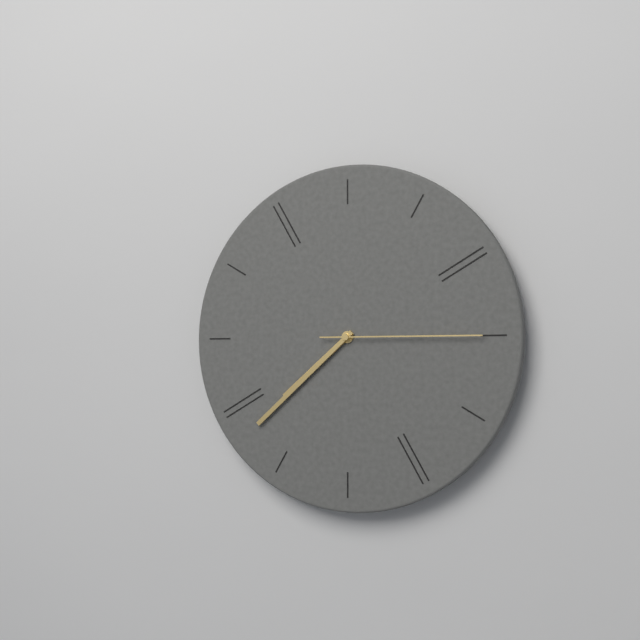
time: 7:38:15
